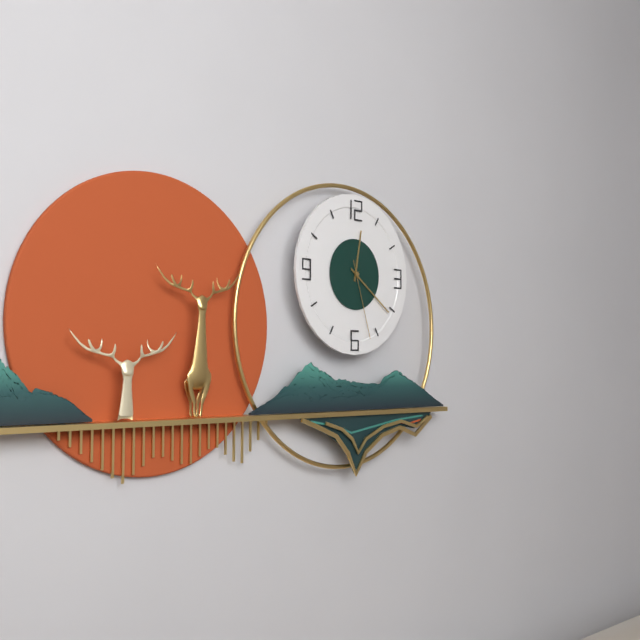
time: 12:21:27
